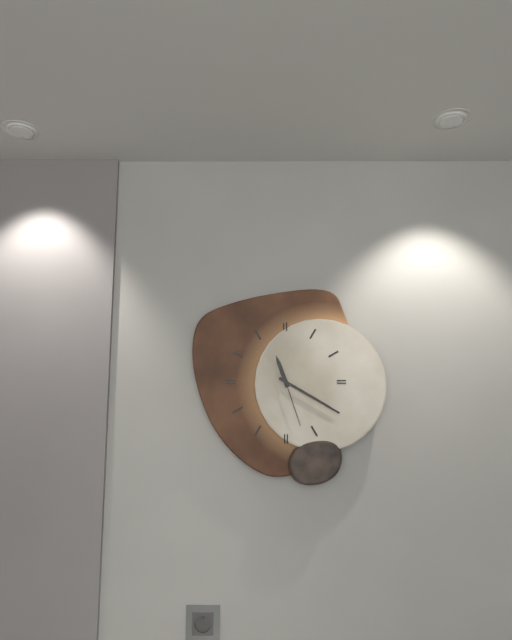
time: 11:20:27
